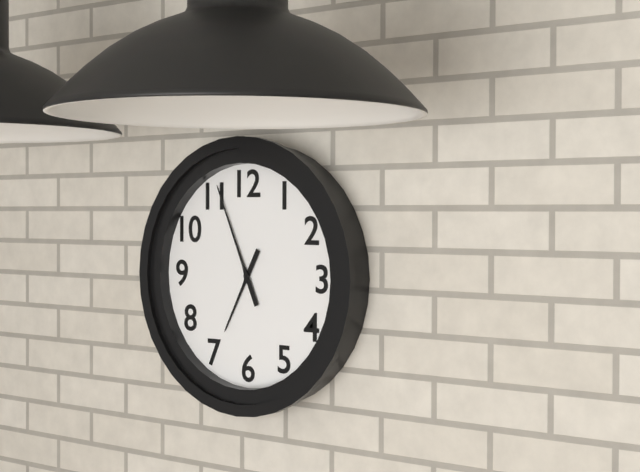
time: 6:56
